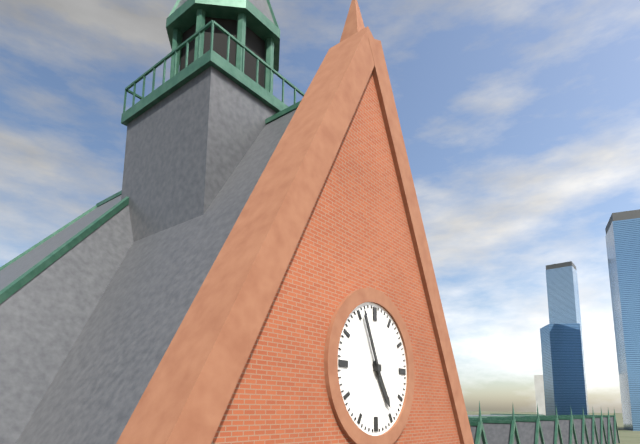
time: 4:56
